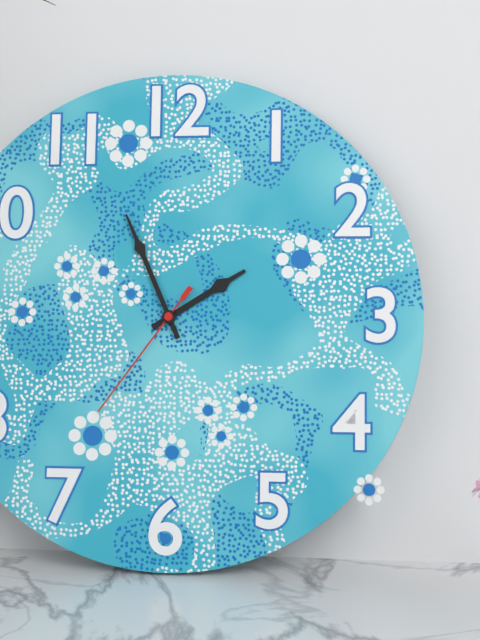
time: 1:56:36
